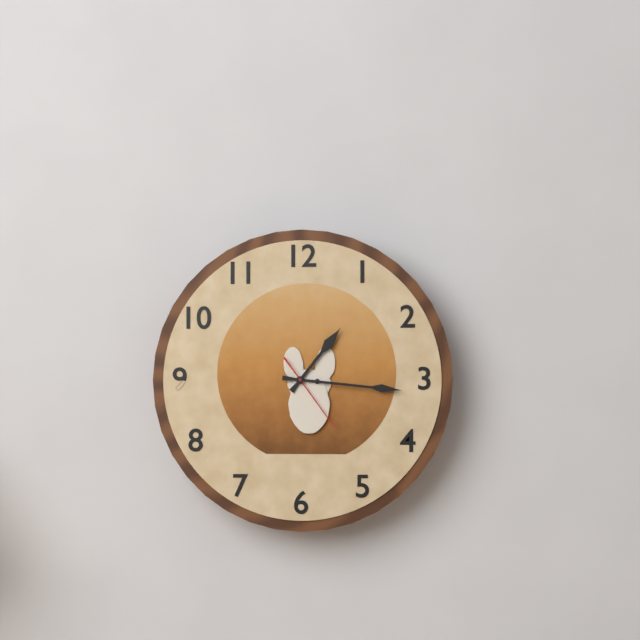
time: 1:16:24
